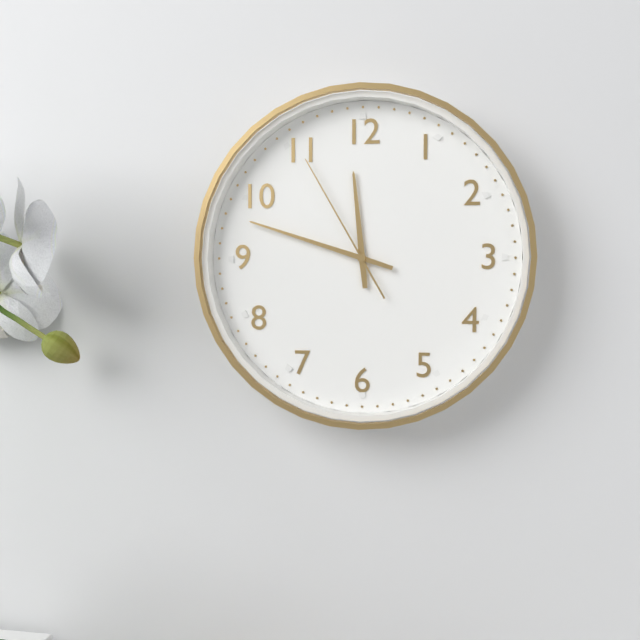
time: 11:48:55
